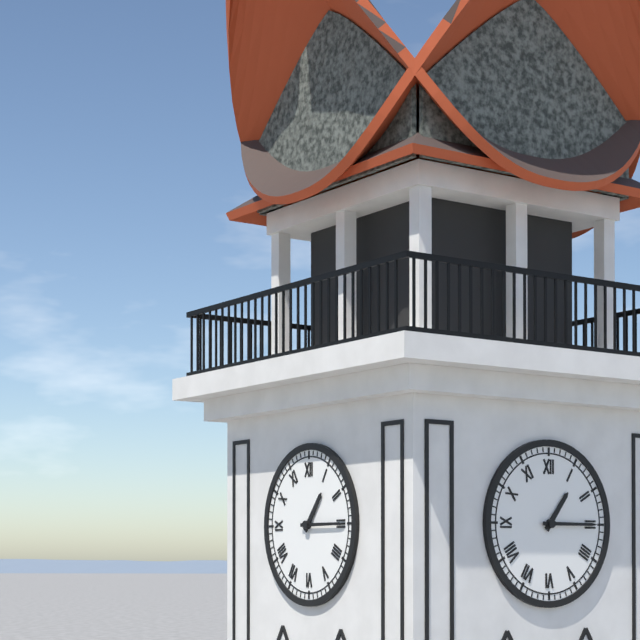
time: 1:15
